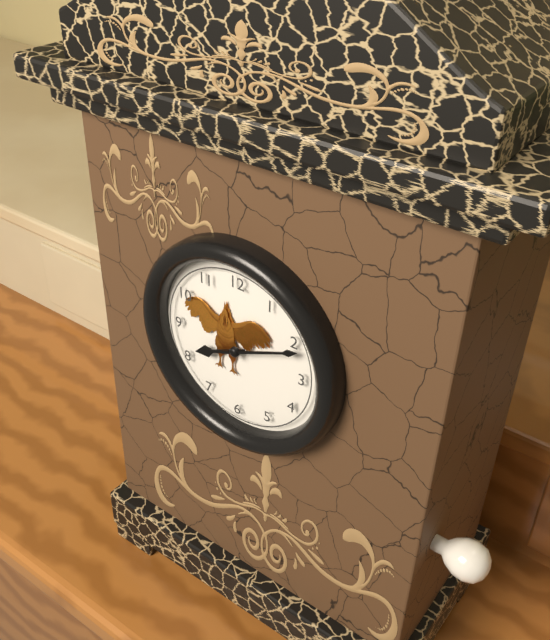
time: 8:11
